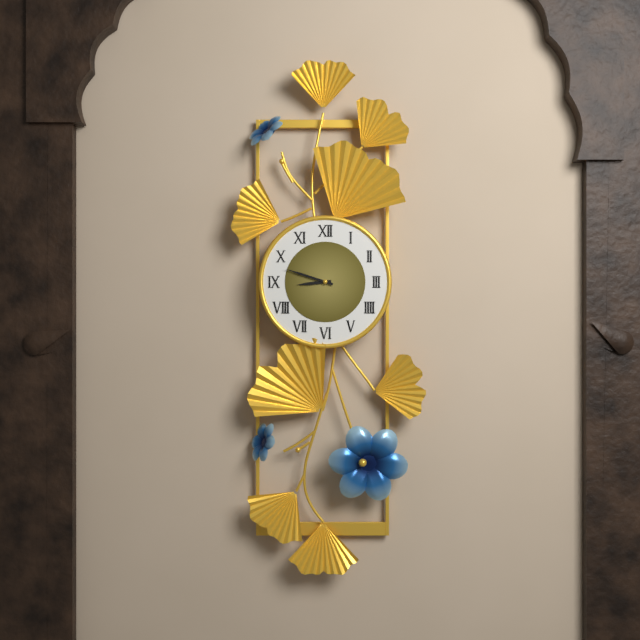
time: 8:48
